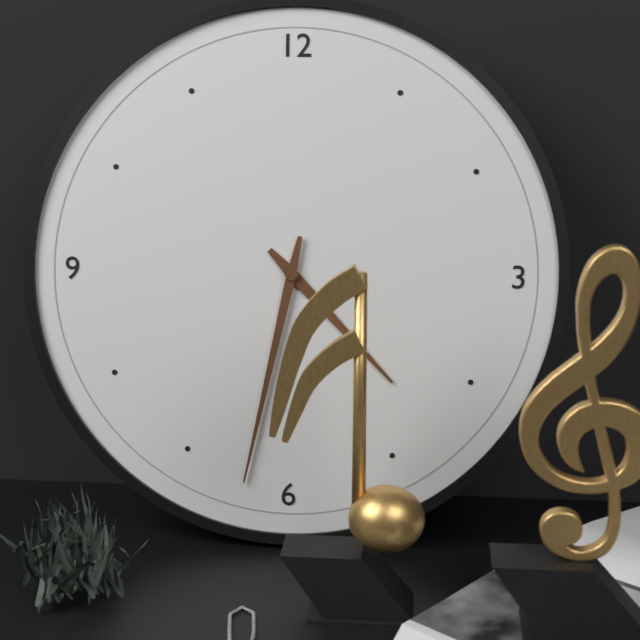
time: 4:32
